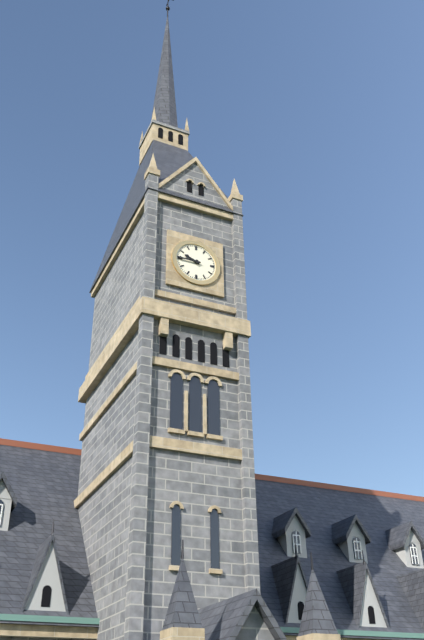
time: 9:45
